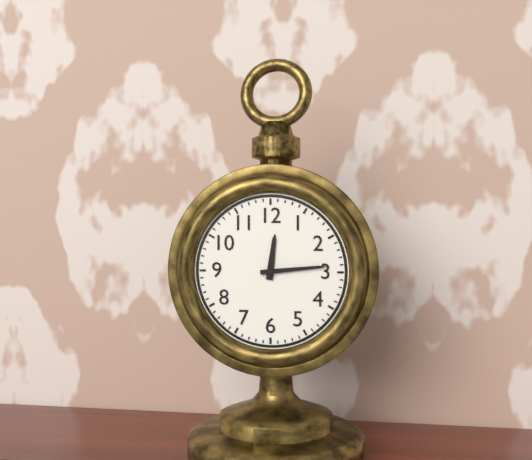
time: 12:14
